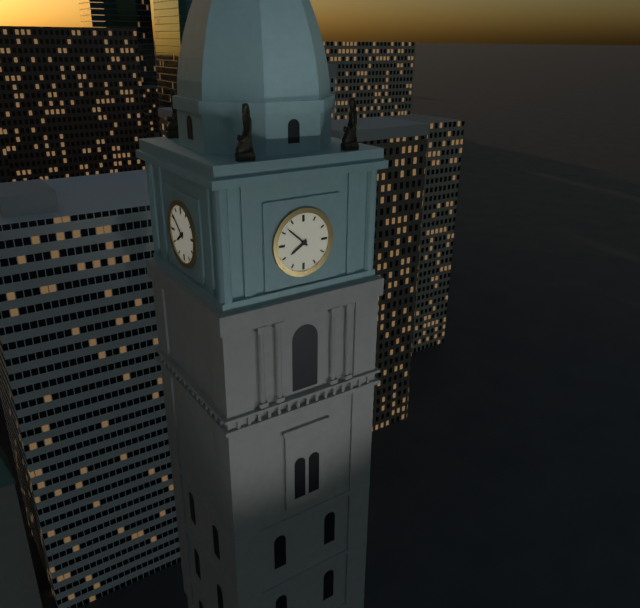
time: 7:52
